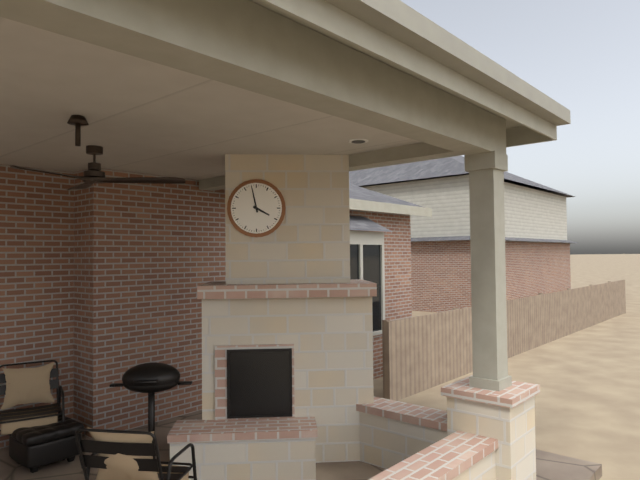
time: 3:58
